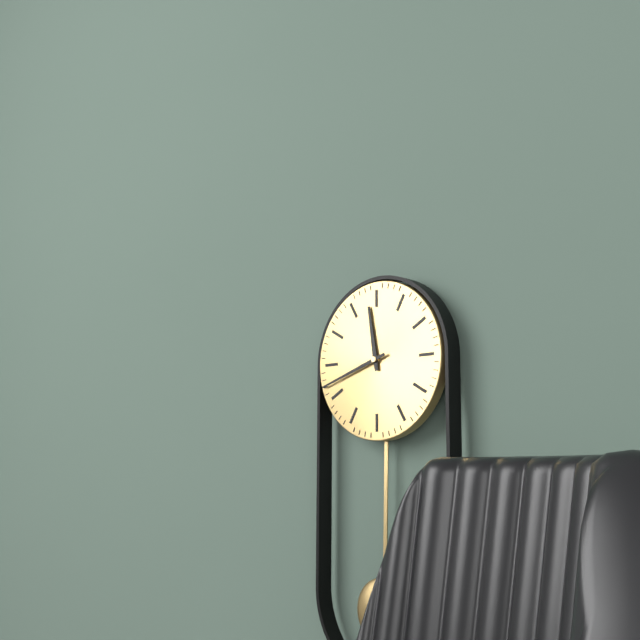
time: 11:42
